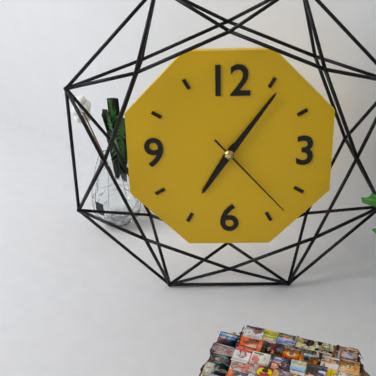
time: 7:06:23
